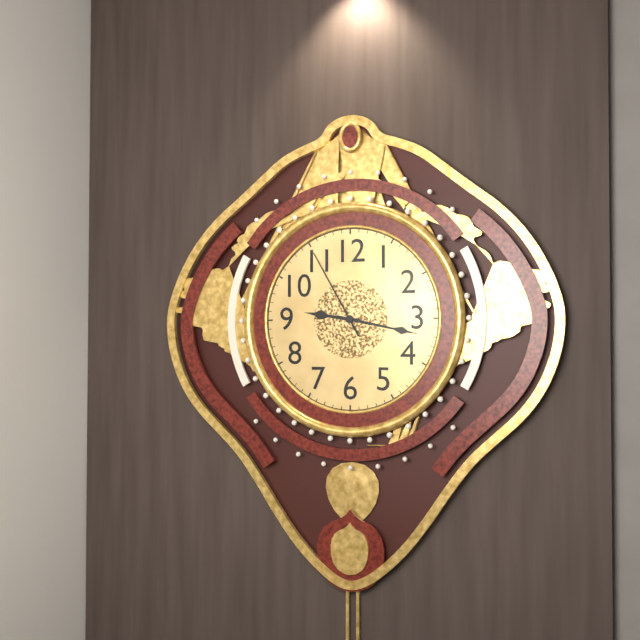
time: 9:17:55
